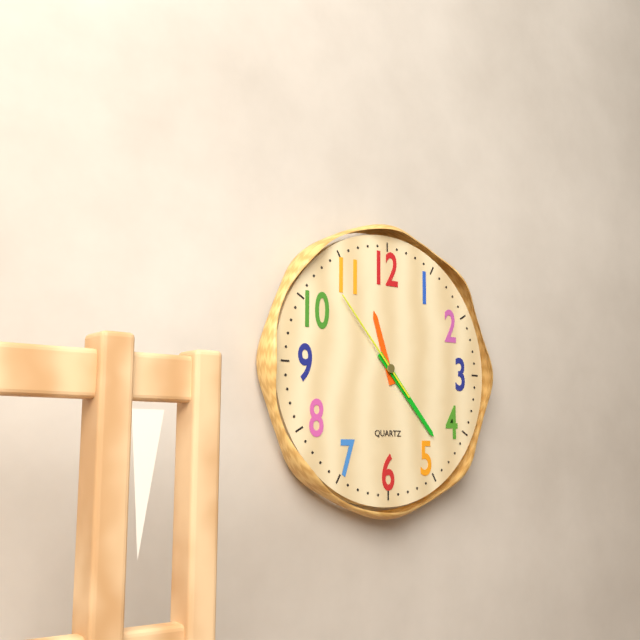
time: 11:23:53
